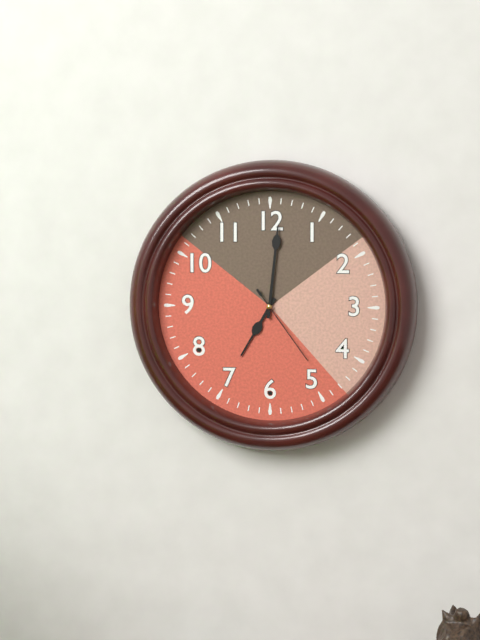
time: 7:01:24
